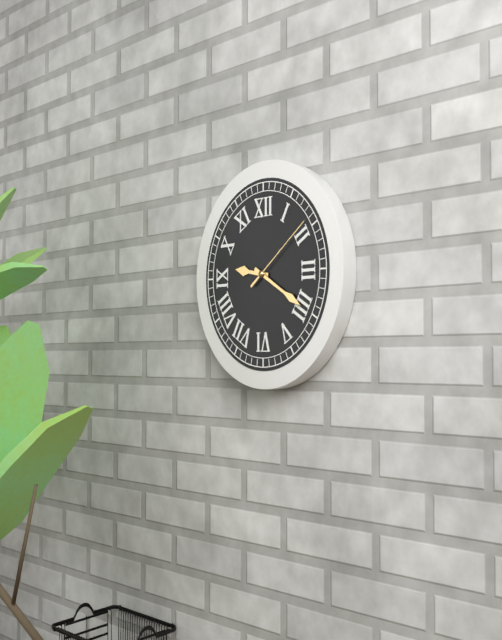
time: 9:20:09
